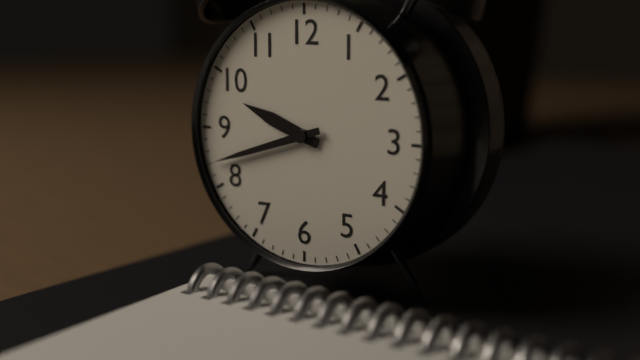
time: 9:42
